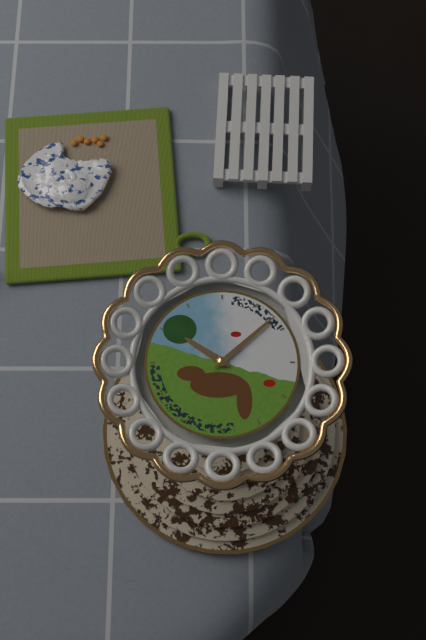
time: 10:08
